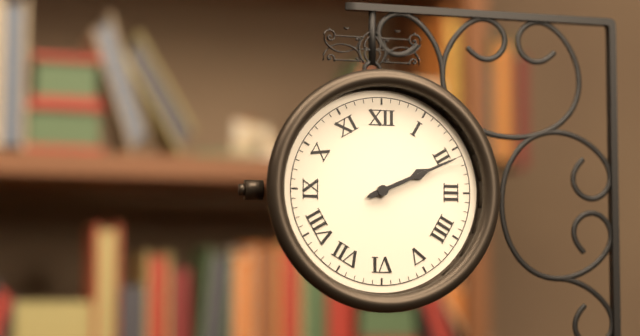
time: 2:11
